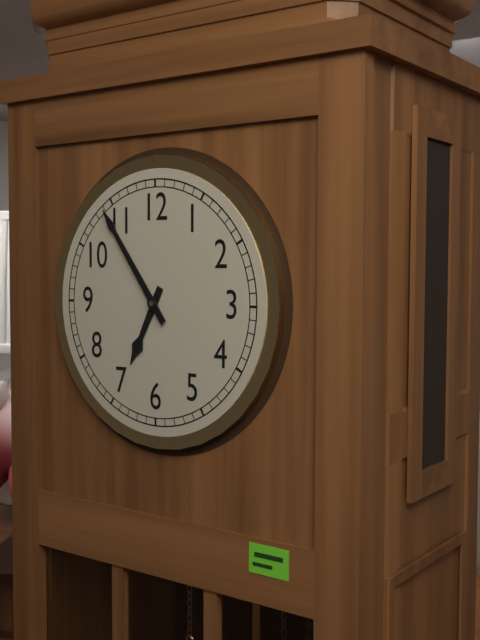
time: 6:54
